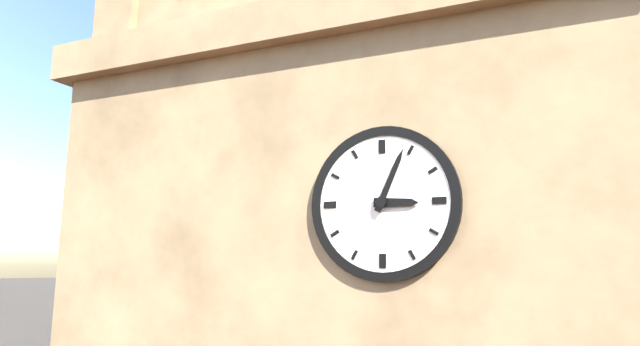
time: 3:04
